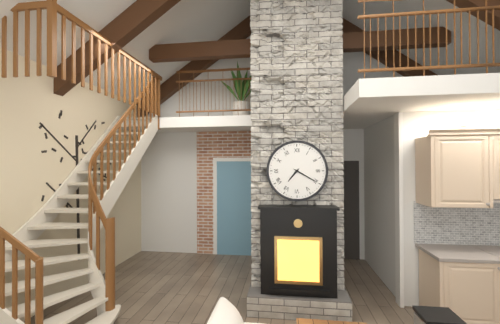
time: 7:20
